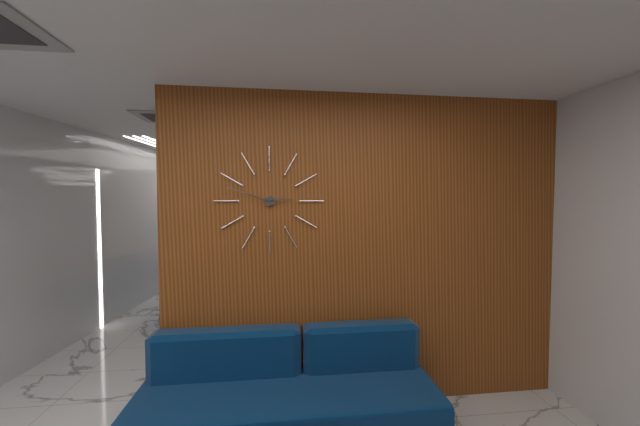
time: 2:48
